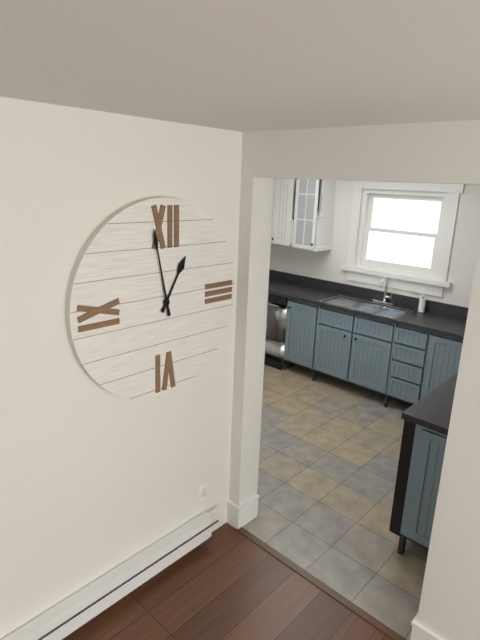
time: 12:58
